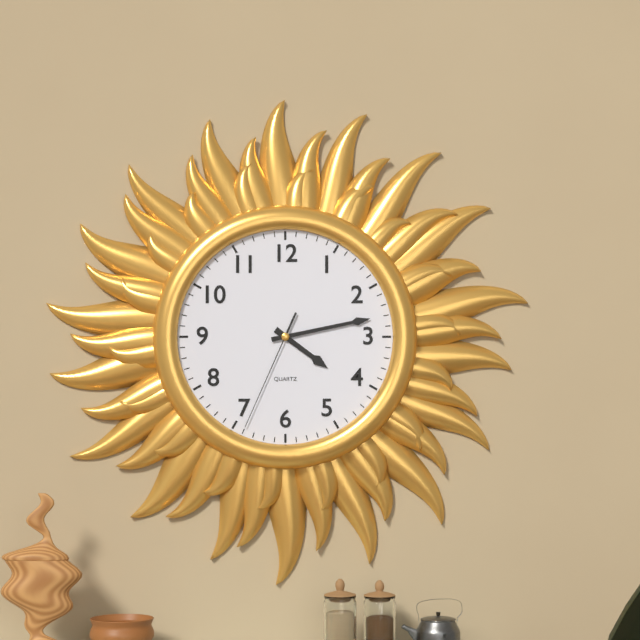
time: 4:13:34
